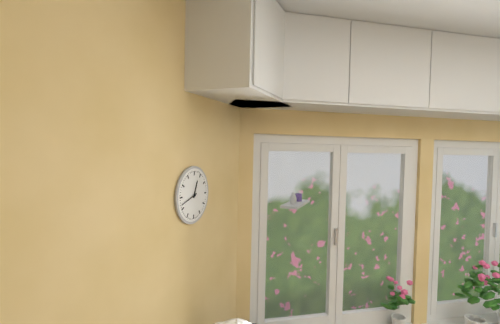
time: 12:42
